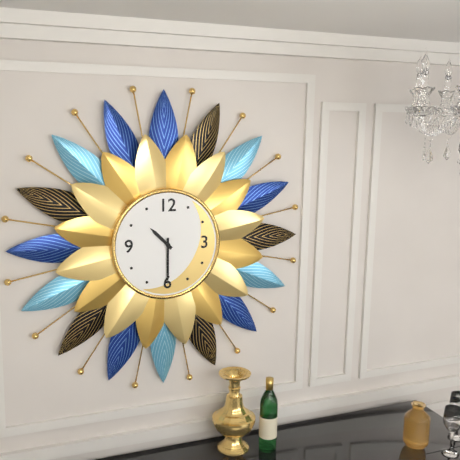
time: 10:30
